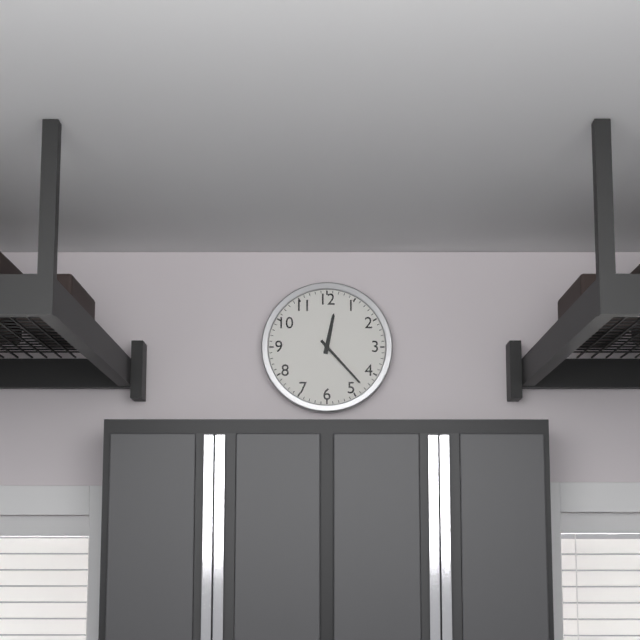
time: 12:23
